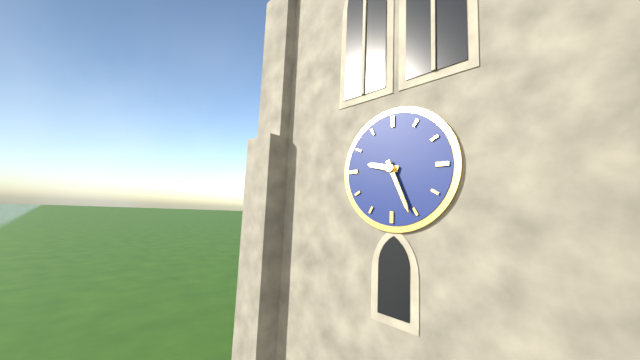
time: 9:26
